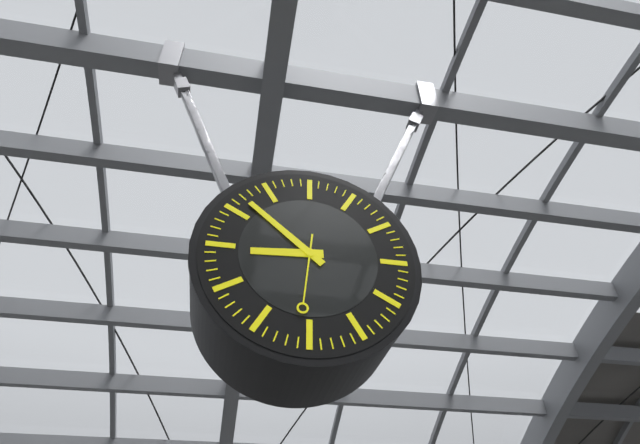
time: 8:52:31
